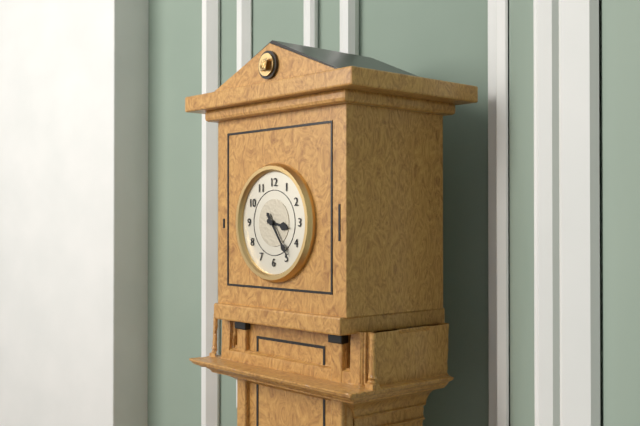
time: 3:24
